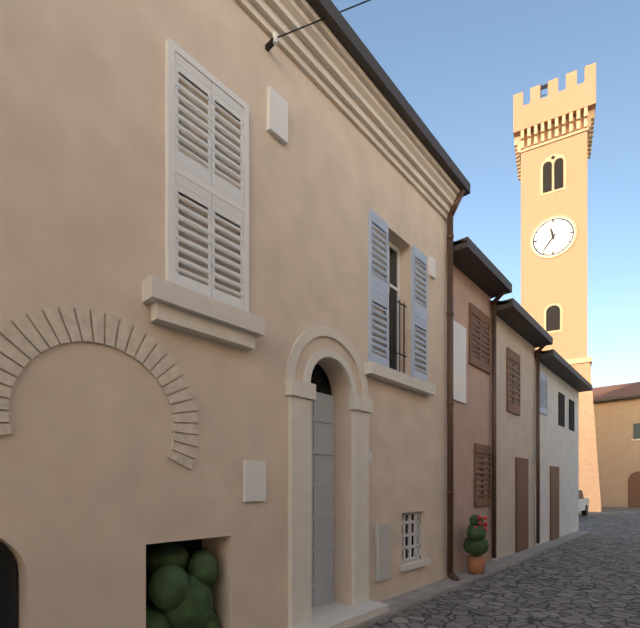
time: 11:36
